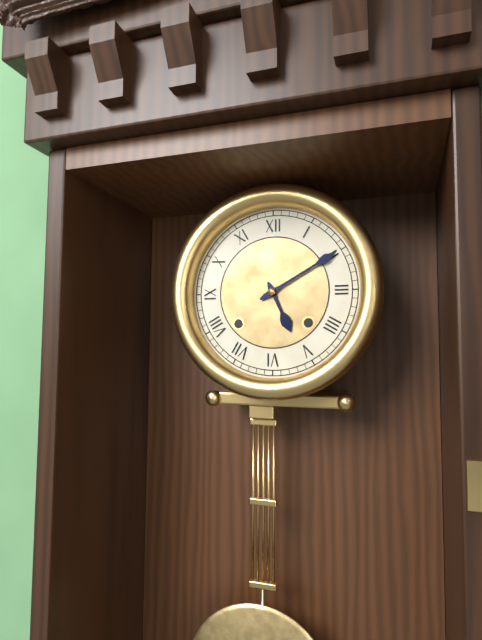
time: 5:10
